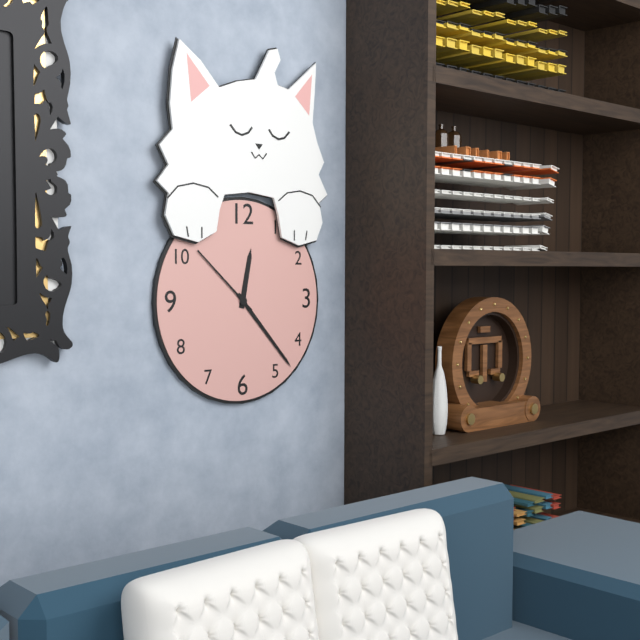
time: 12:23:52
